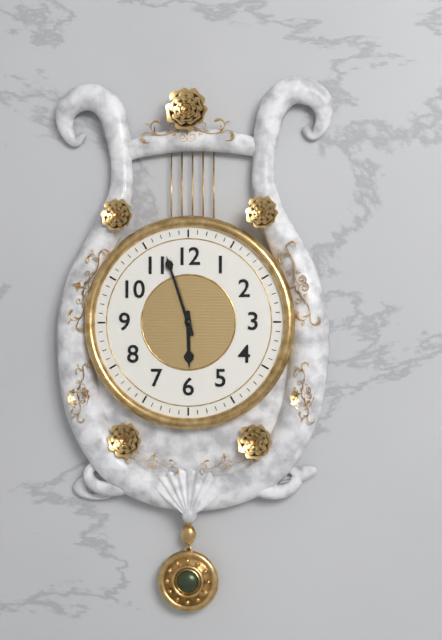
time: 5:57
